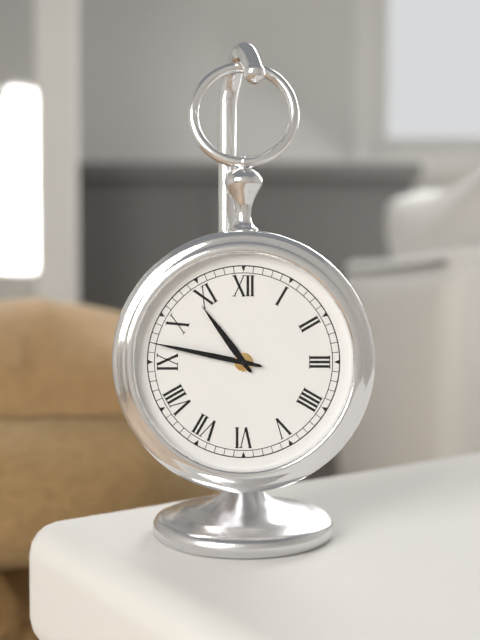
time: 10:47
